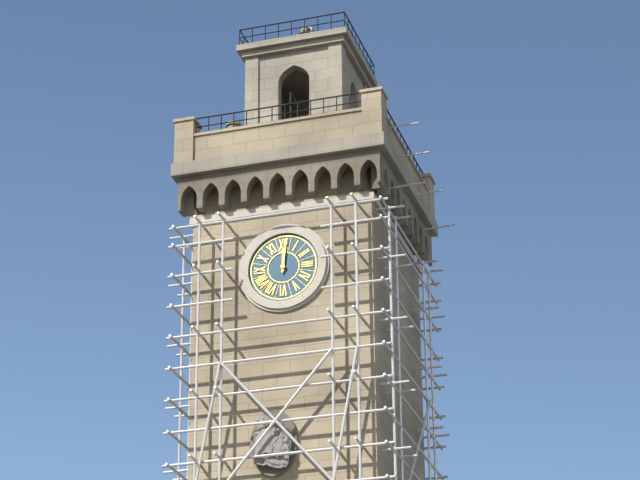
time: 12:01
